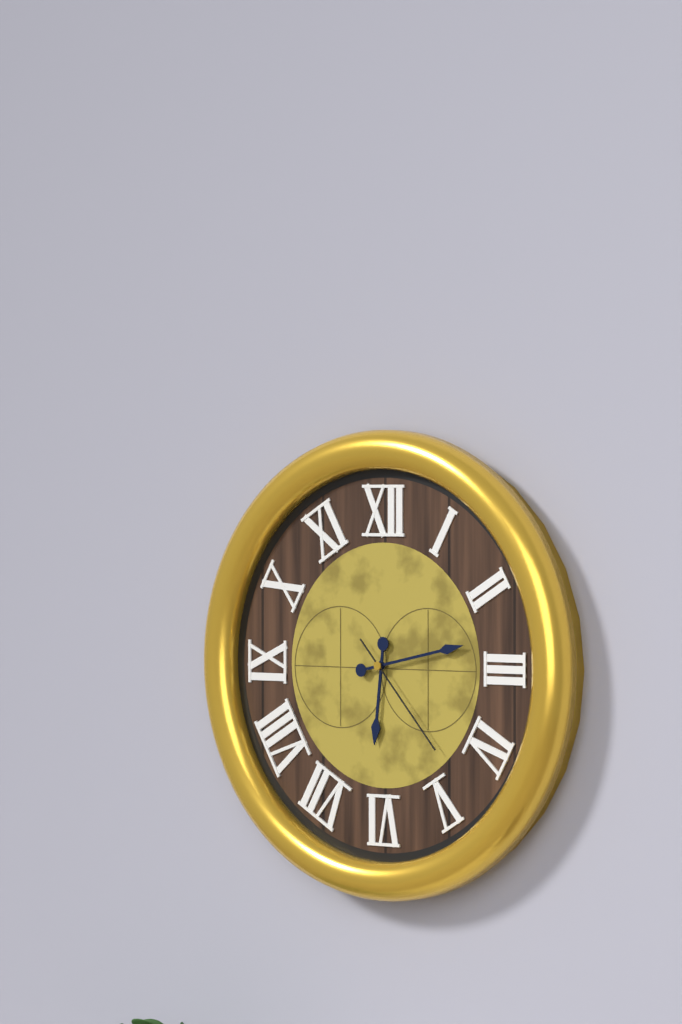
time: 6:13:23
